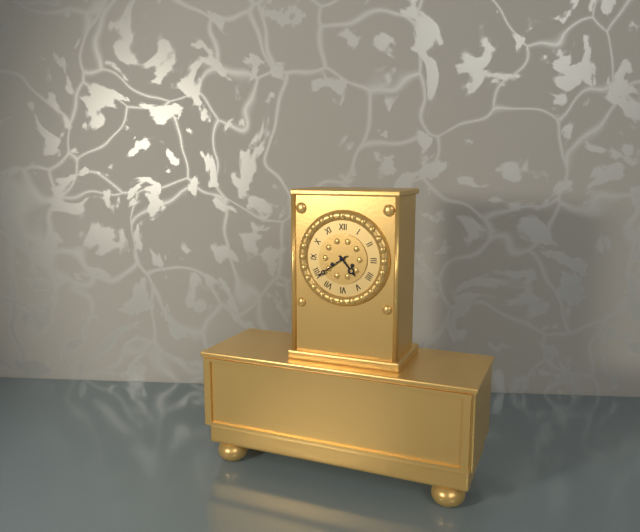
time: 4:39
